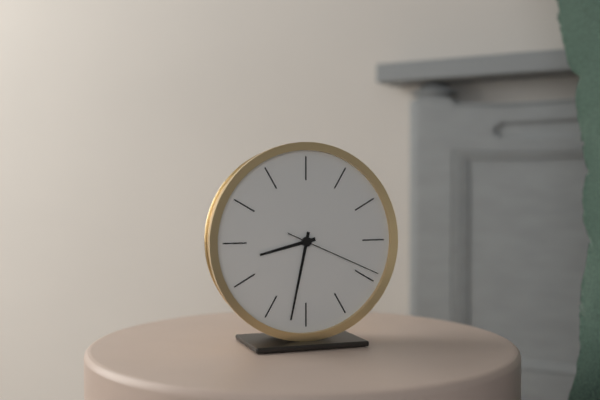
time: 8:32:19
